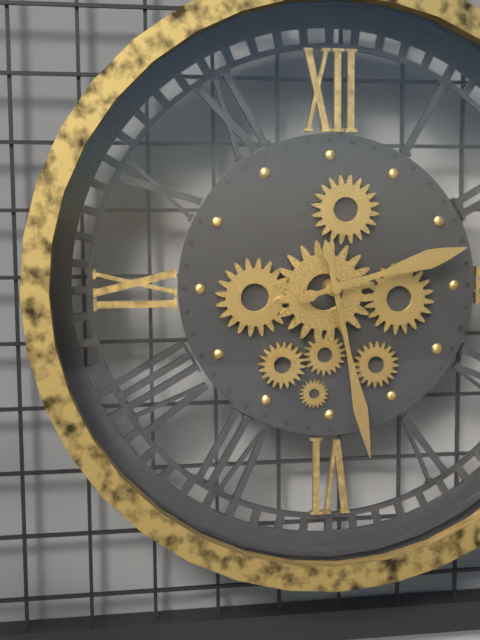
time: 2:28
